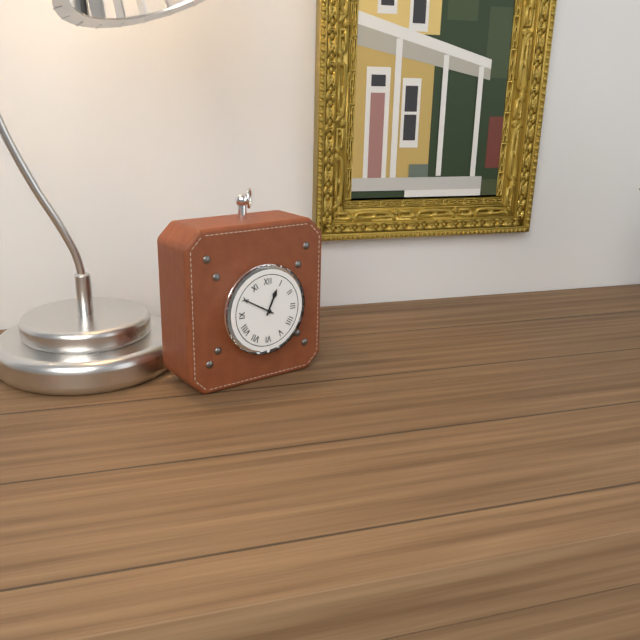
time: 12:50
